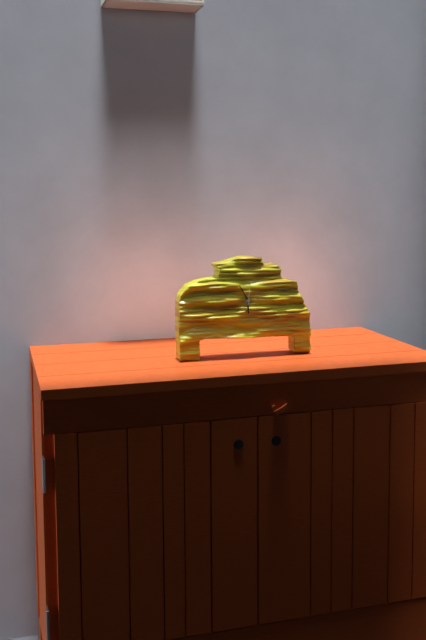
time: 5:55
